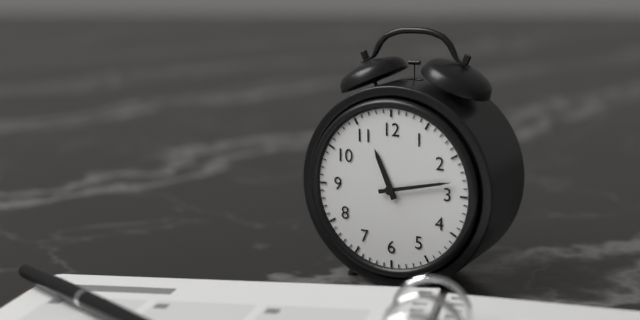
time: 11:13
